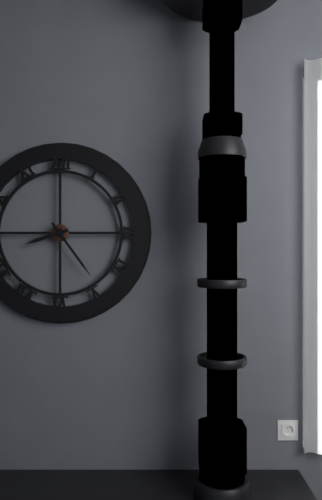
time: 8:24
